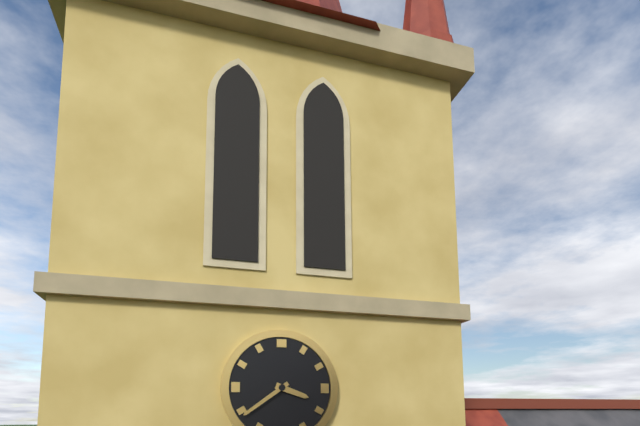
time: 3:39
